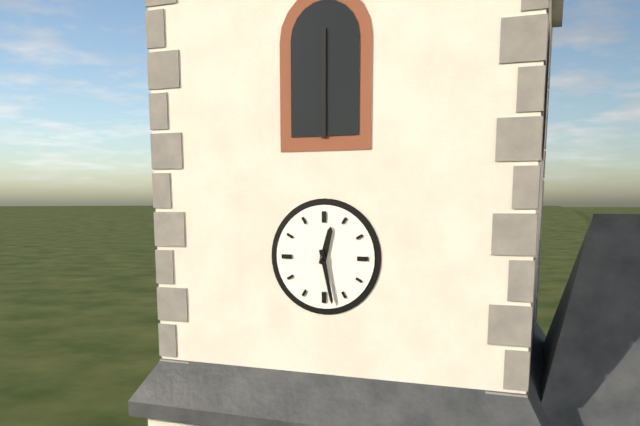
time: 12:28
